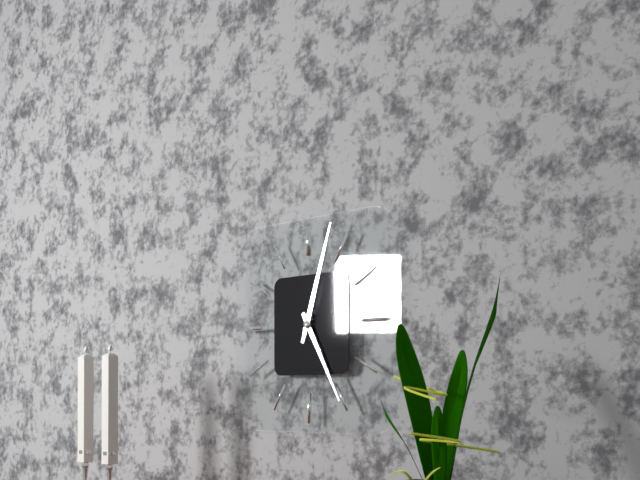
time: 5:03
